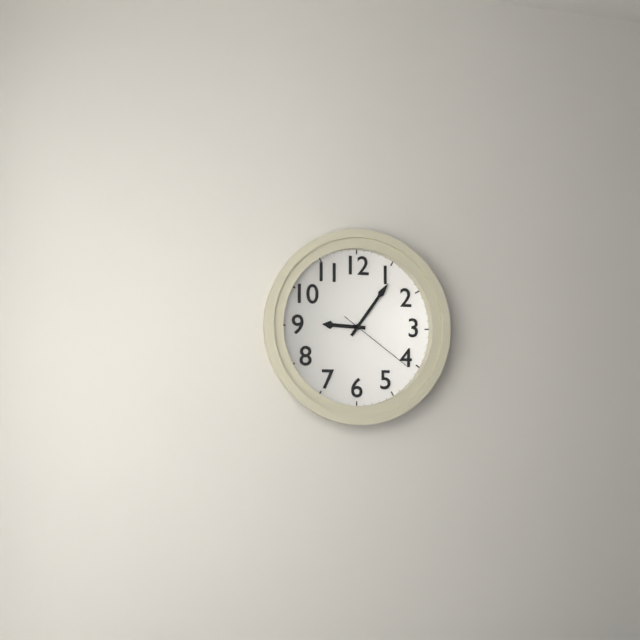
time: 9:06:21
